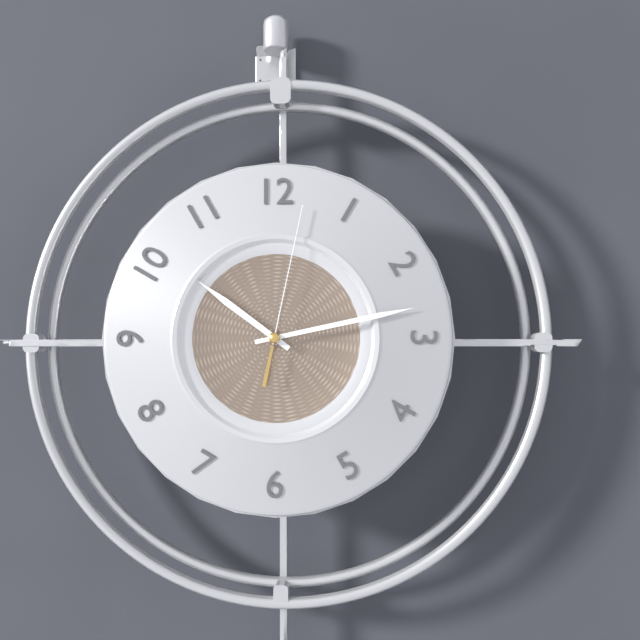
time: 10:13:02
